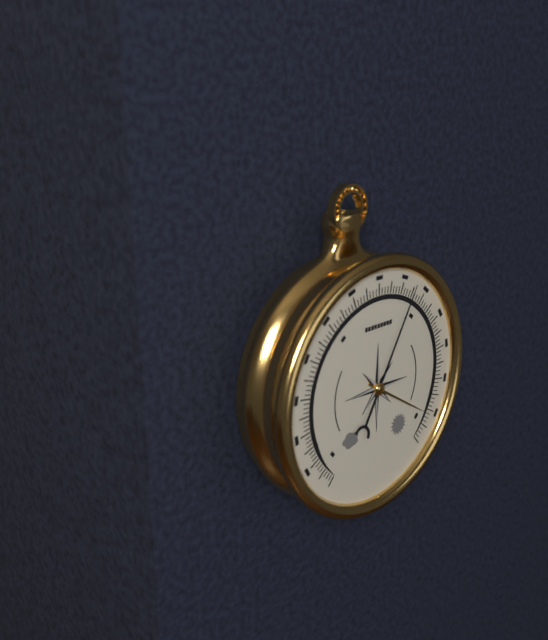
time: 4:05
